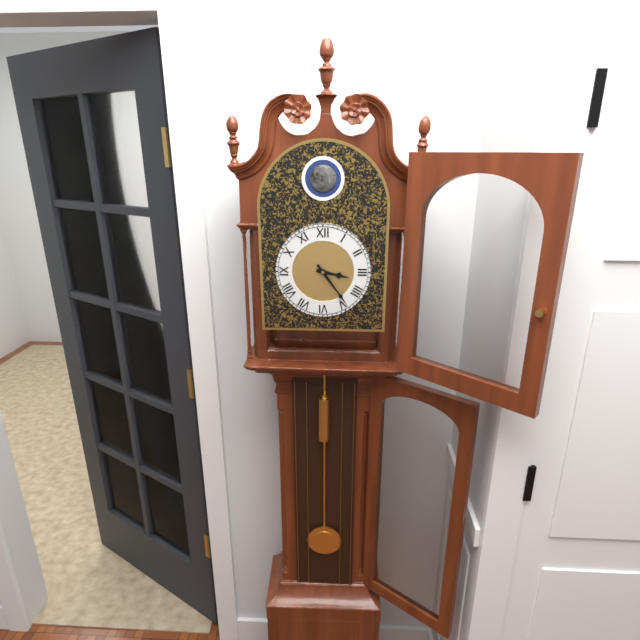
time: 3:24
